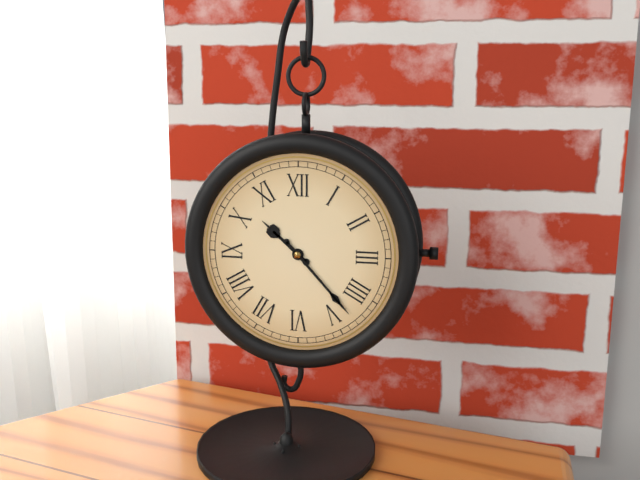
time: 10:23
